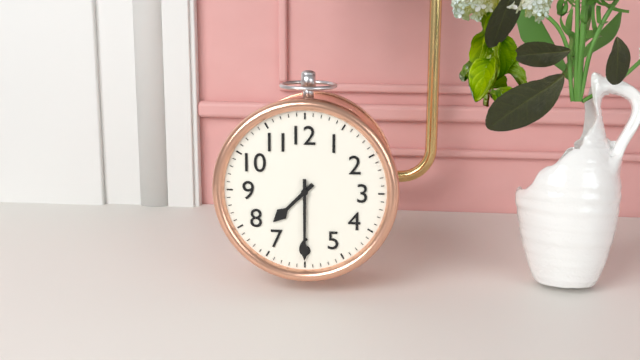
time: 7:30
